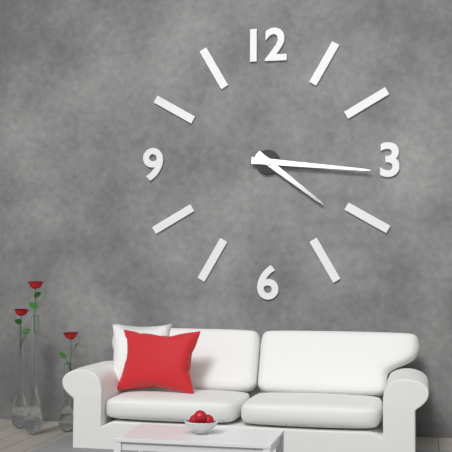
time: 4:16
